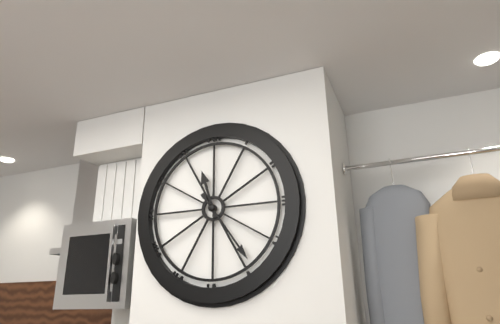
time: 11:24
